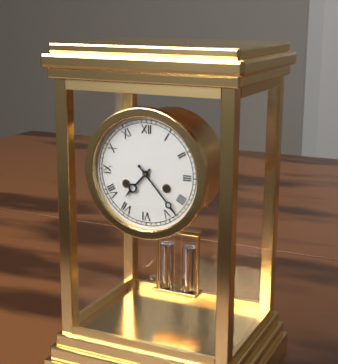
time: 7:23
